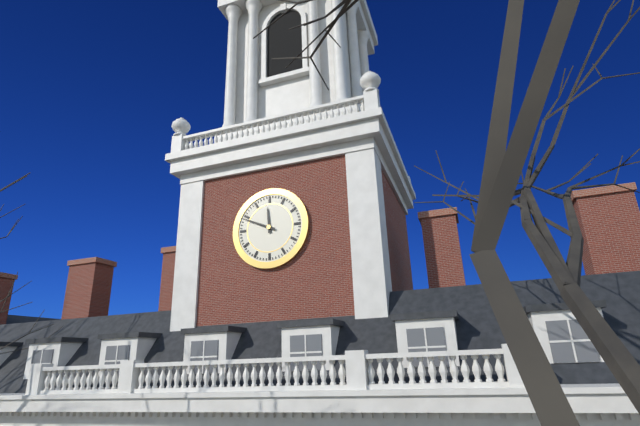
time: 11:49
